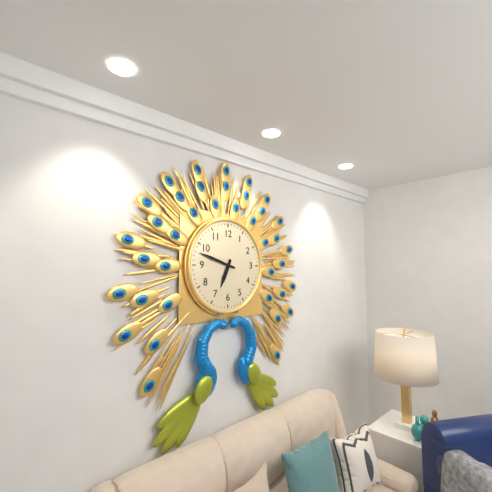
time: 6:48
